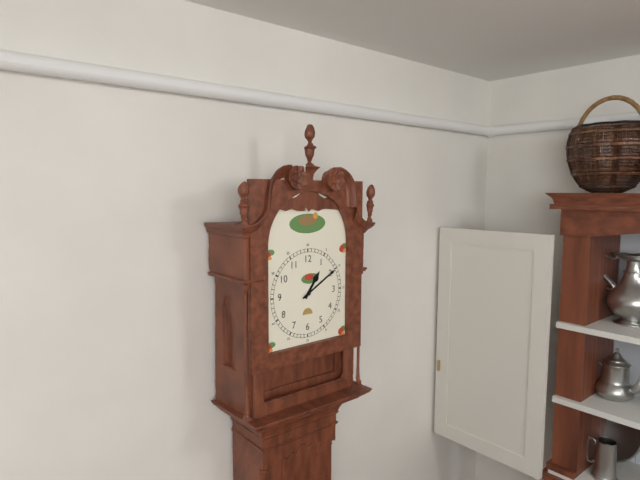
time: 1:10
